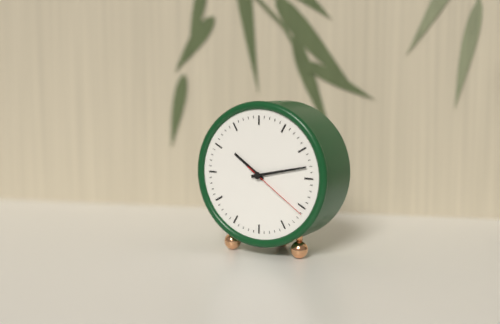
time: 10:13:21
